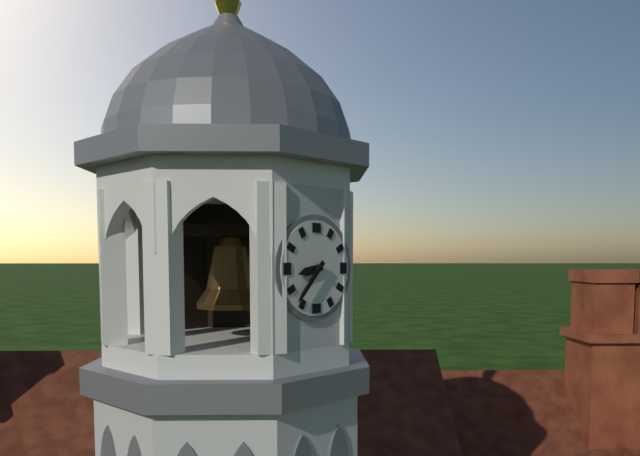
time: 8:37
